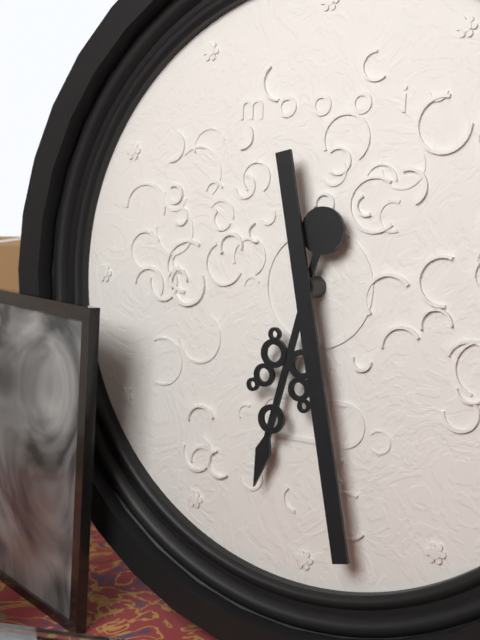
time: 6:28
